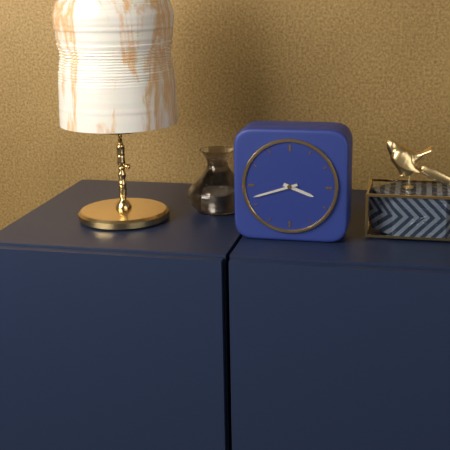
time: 3:42
